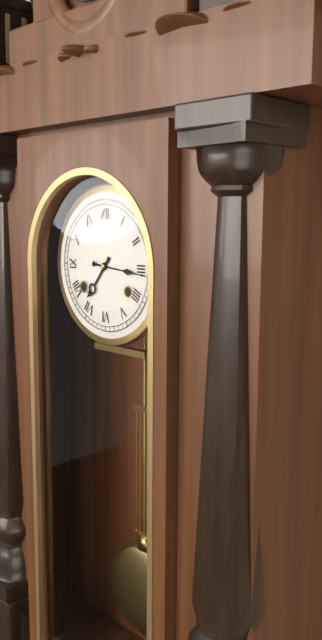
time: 7:16
